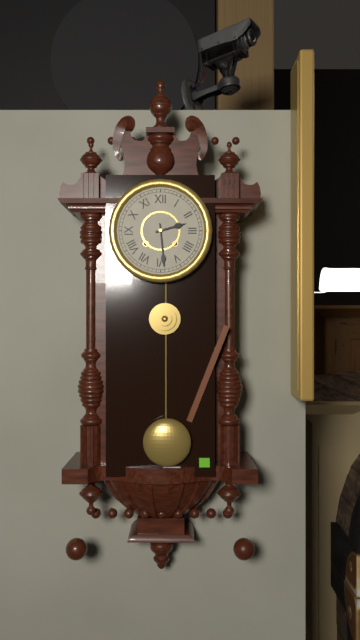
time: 2:29
